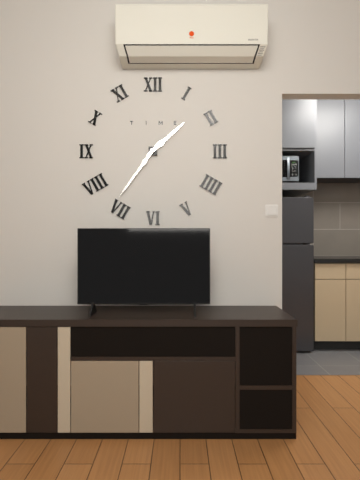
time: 1:36
